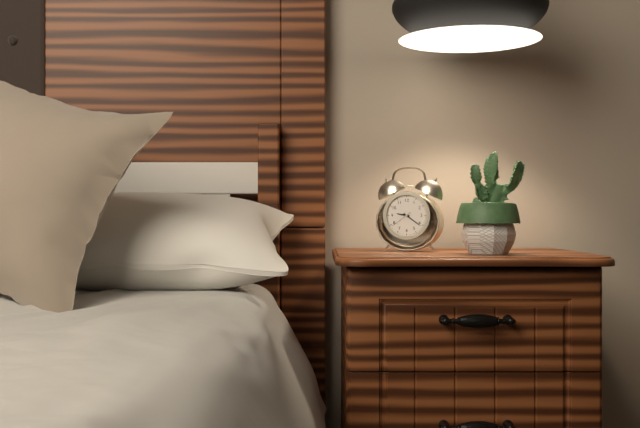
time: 9:21
